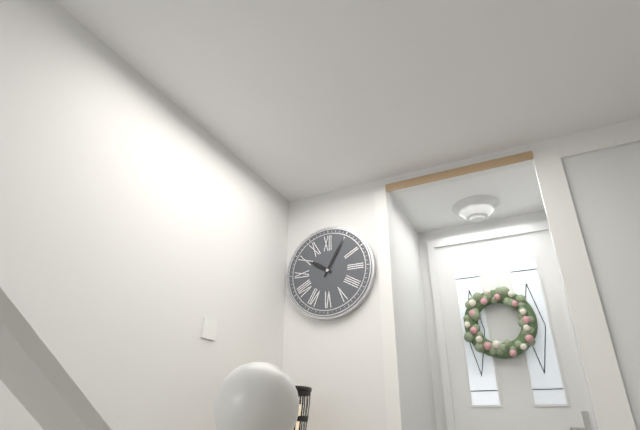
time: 10:05
